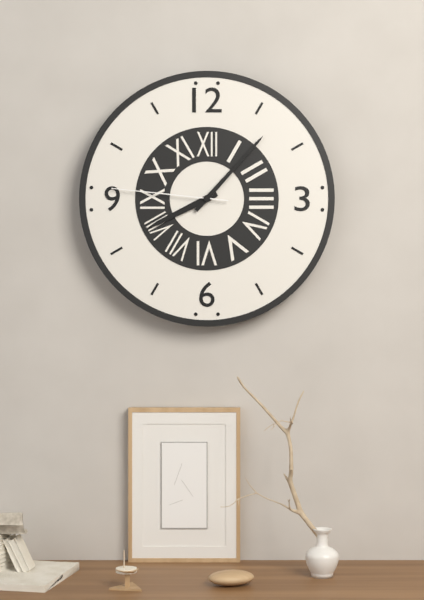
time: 8:07:46
